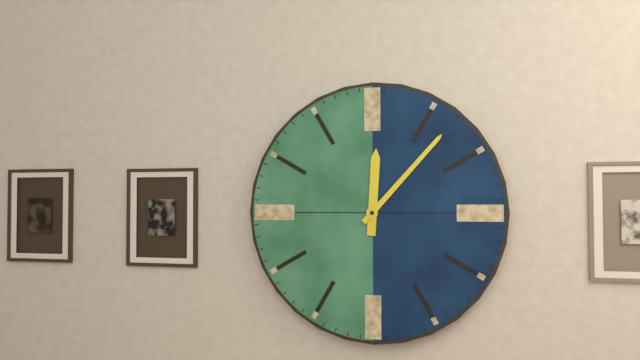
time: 12:07
